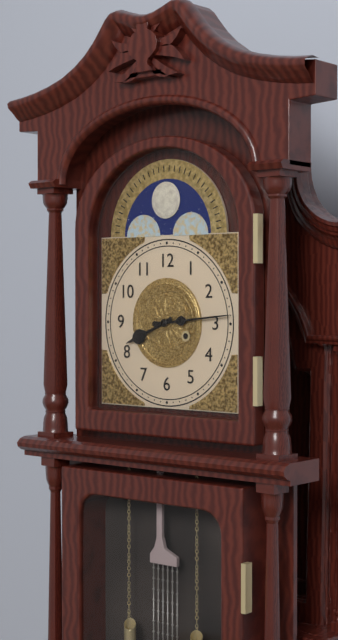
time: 8:14
